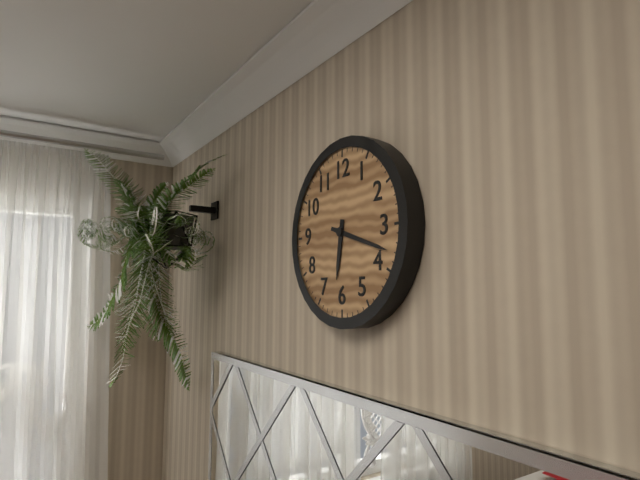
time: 6:18
